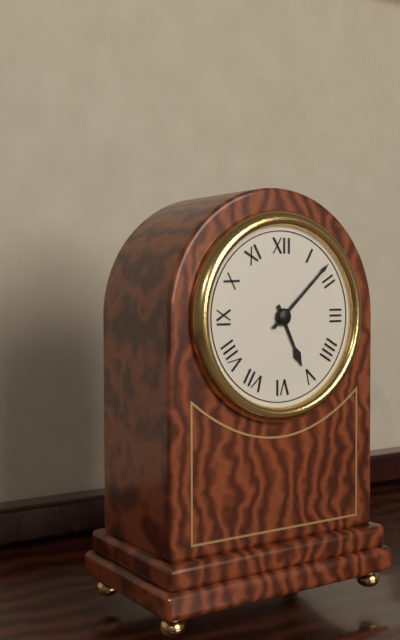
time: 5:08
